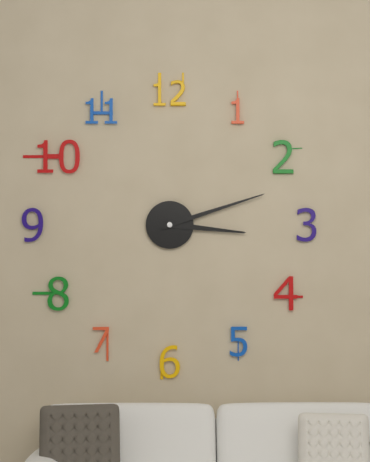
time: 3:12
